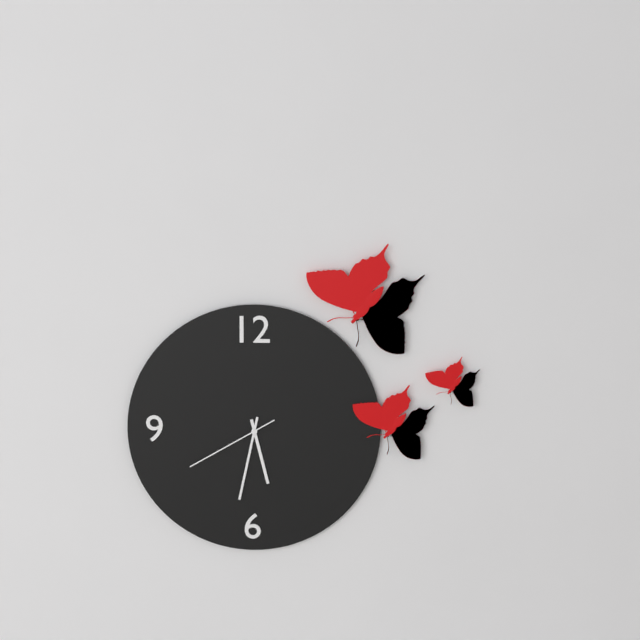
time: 5:32:40
